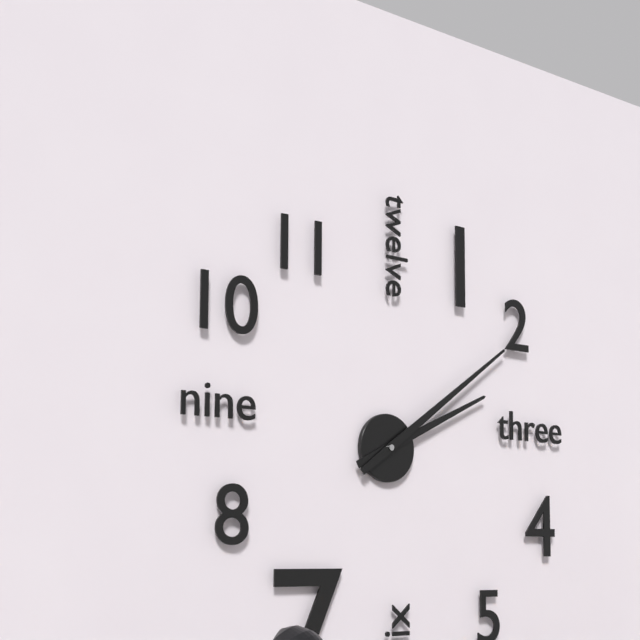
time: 2:09
